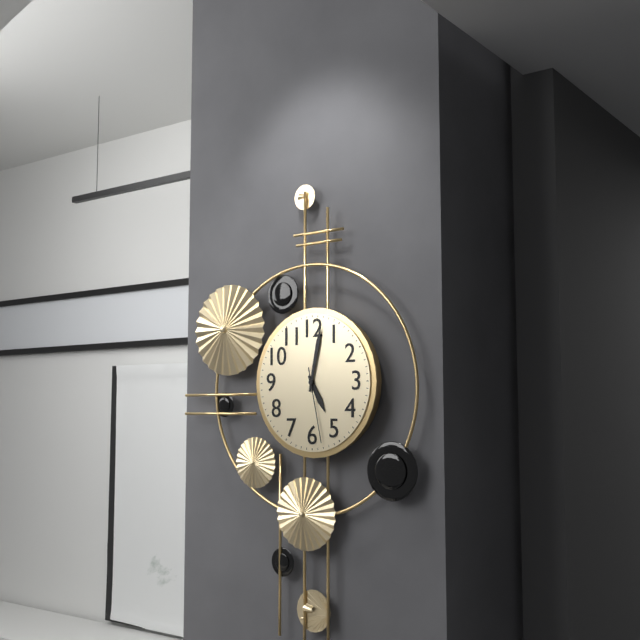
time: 5:02:28
